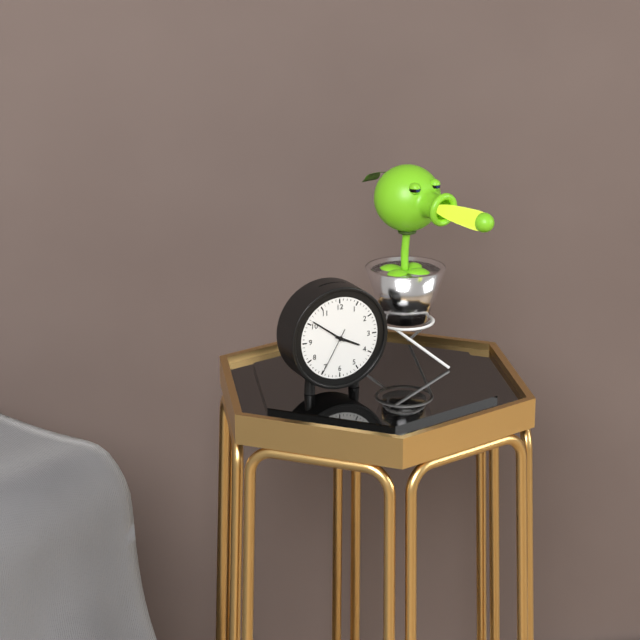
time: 3:51
